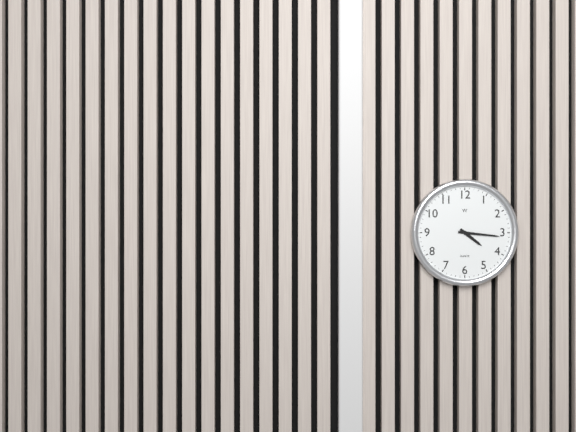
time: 4:16
